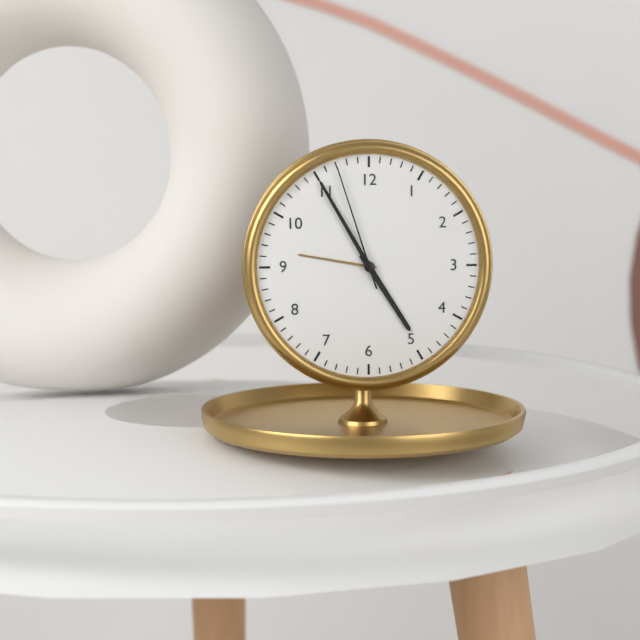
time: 4:55:57
